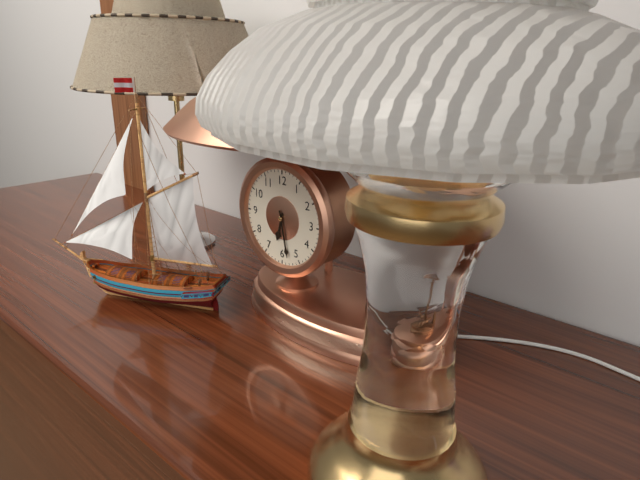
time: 6:28
